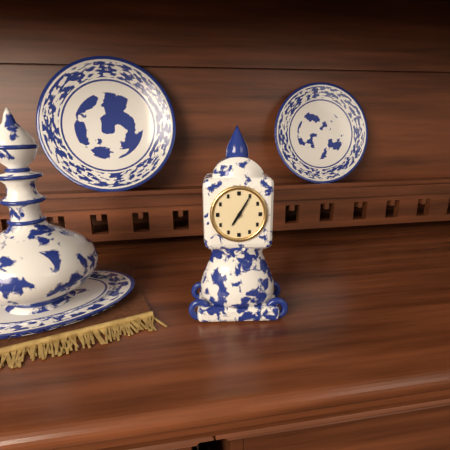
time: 7:05
